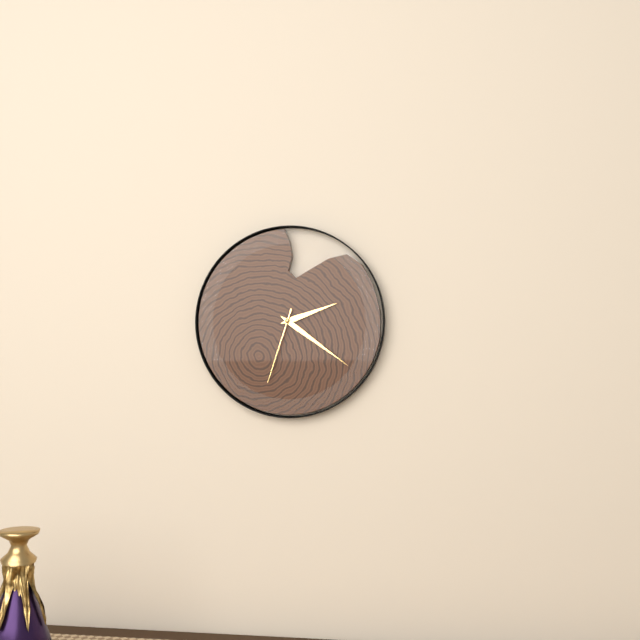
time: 2:21:33
